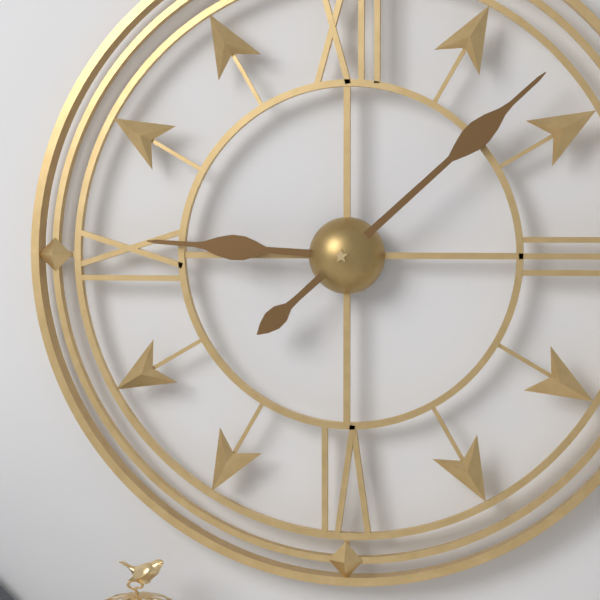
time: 9:08
